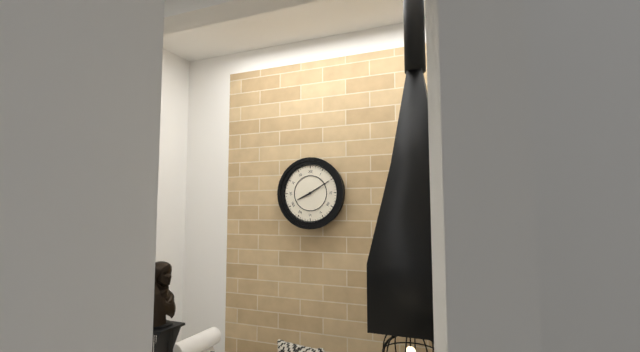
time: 8:10
